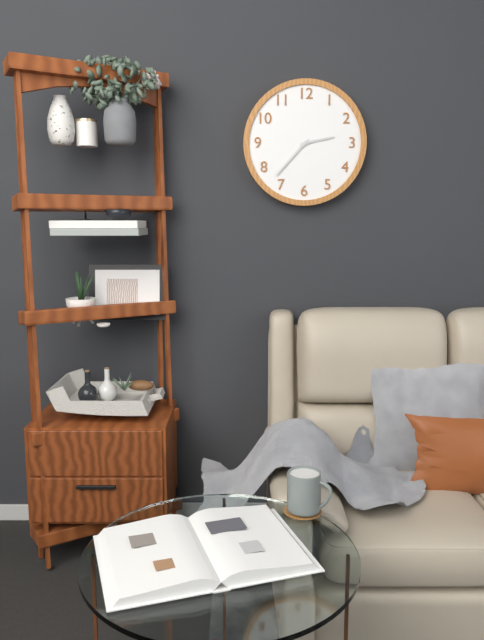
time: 2:37
